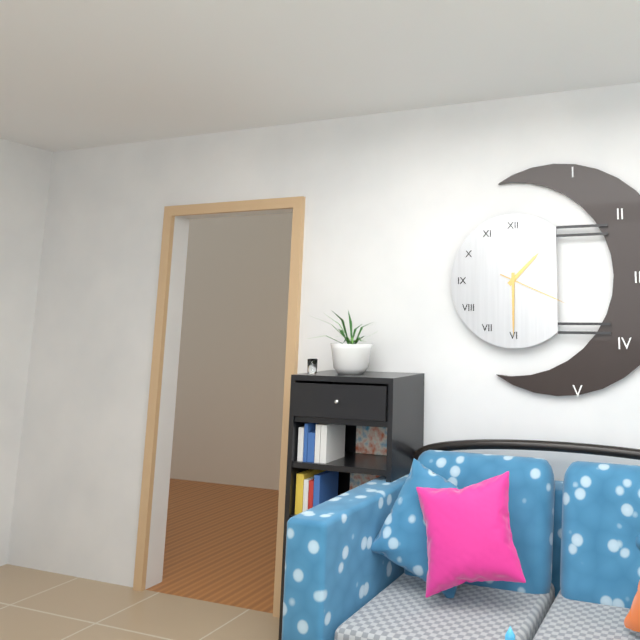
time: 1:30:19
